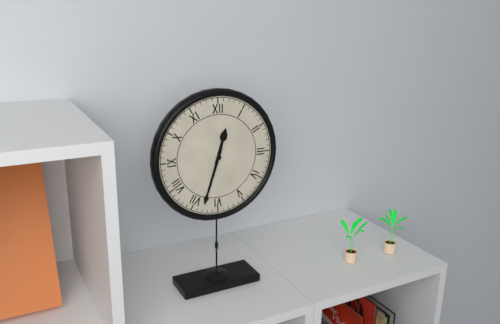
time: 12:33
